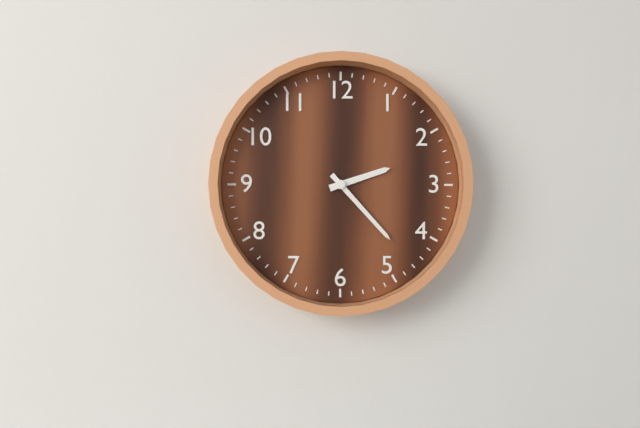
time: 2:23
